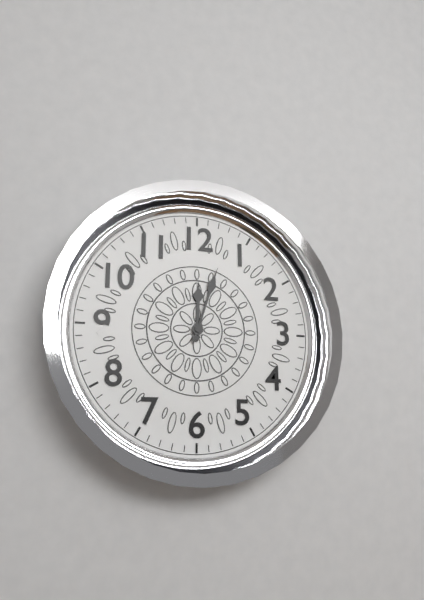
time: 12:03
